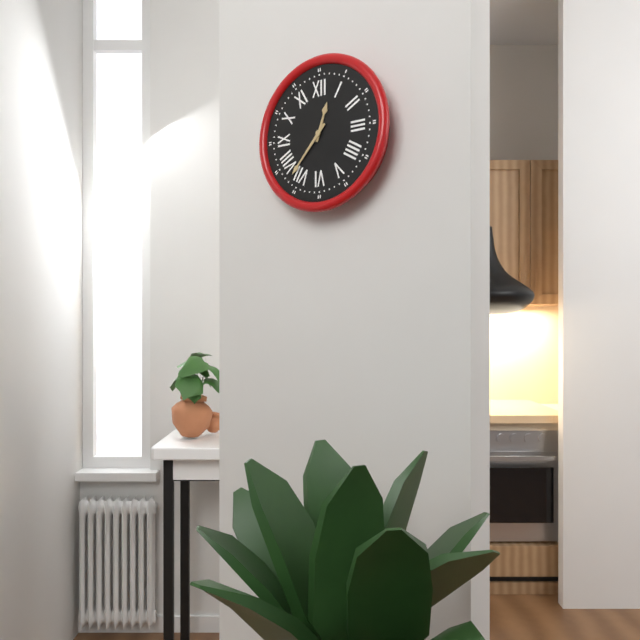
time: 12:37
